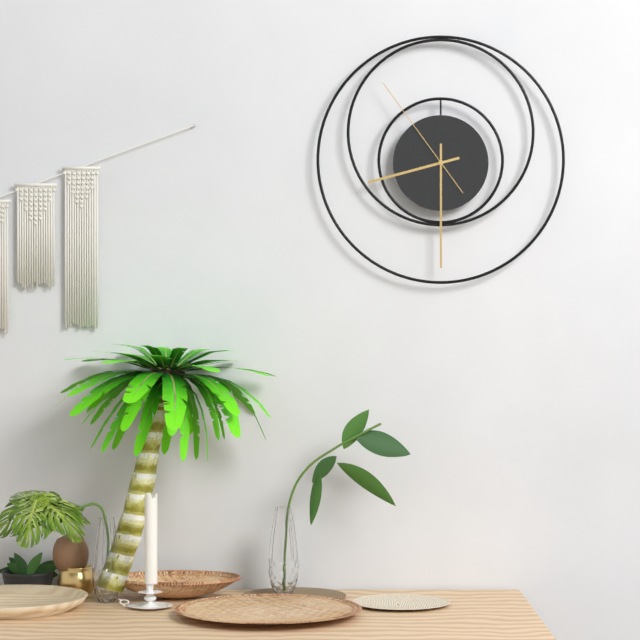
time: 8:30:54
